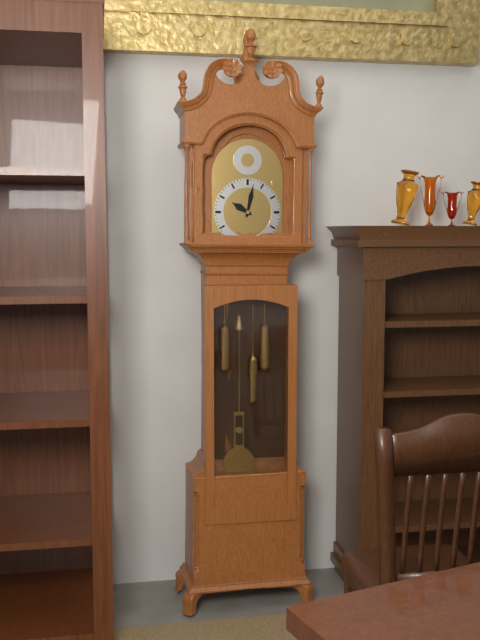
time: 10:02
